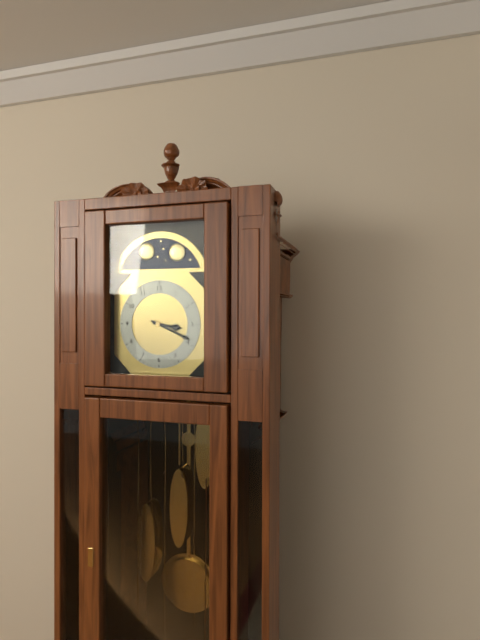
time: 3:19
